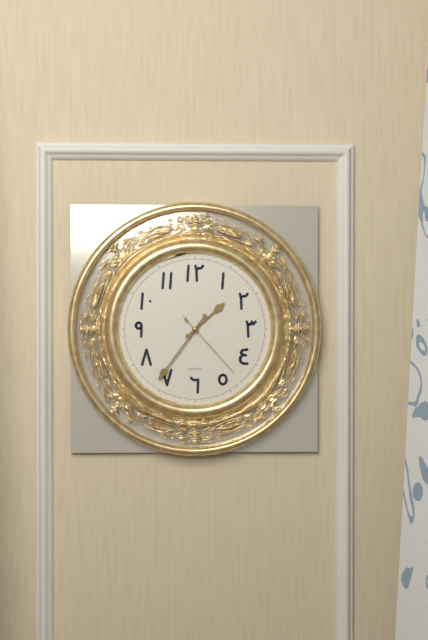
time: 1:36:23
